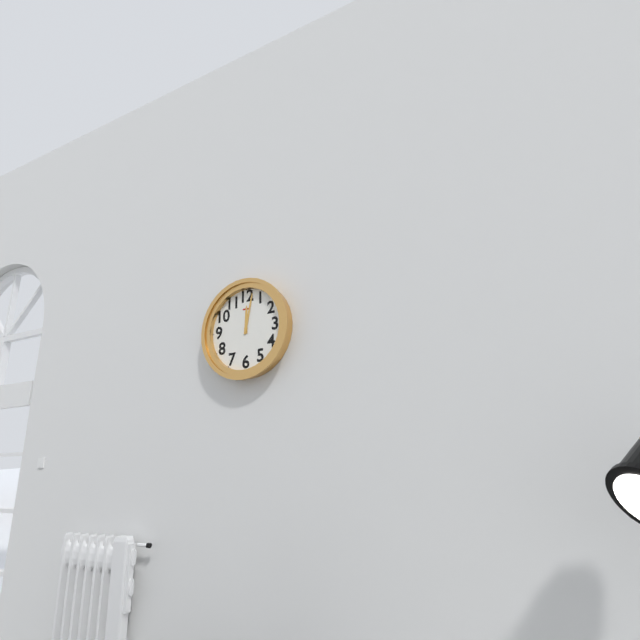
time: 12:02
